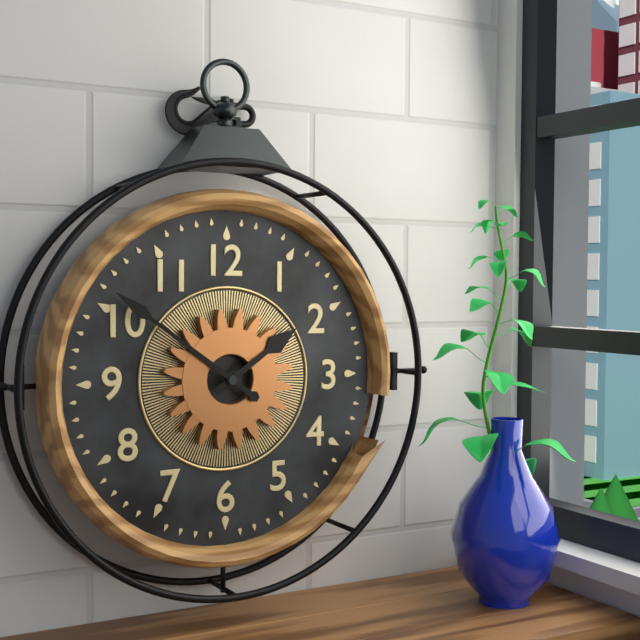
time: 1:51
